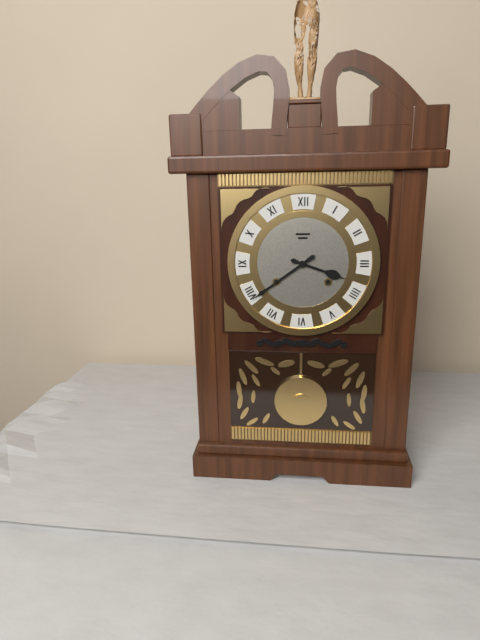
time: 3:39
